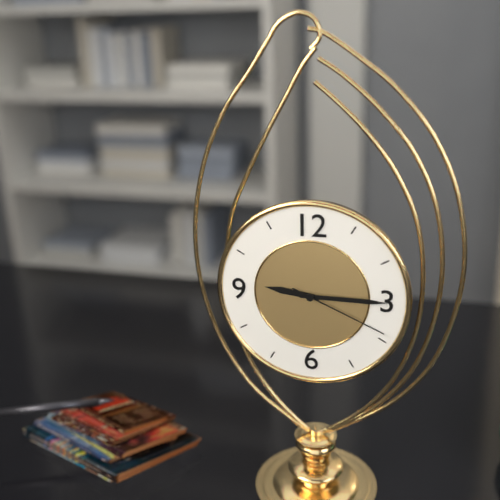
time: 9:15:19
